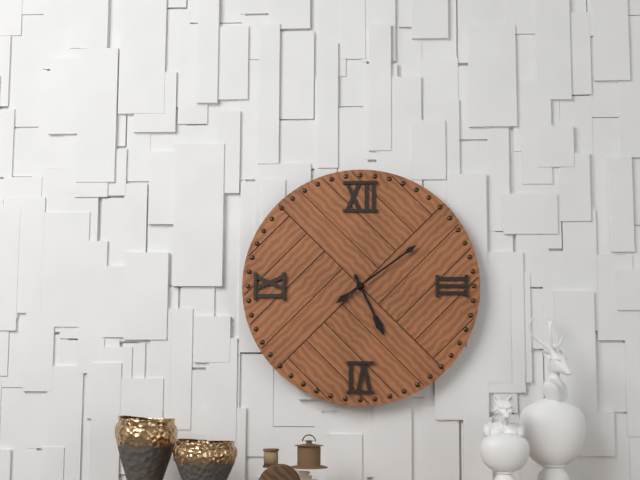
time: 5:09
